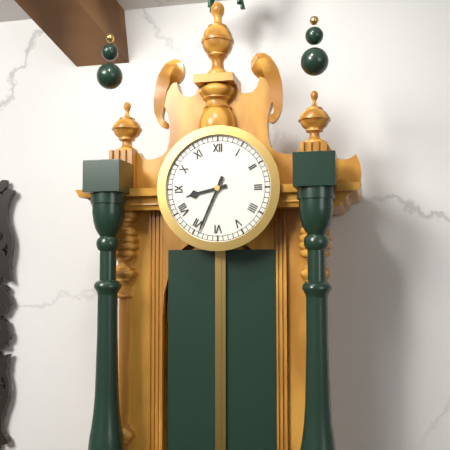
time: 8:34
